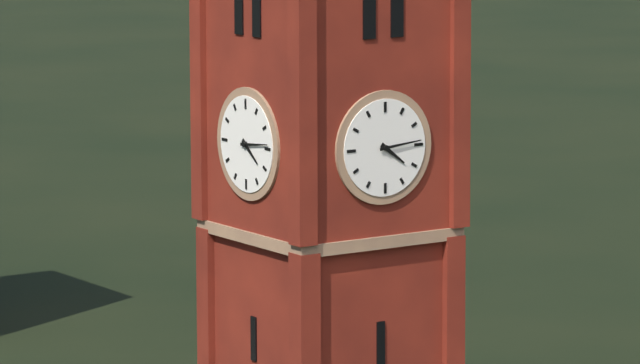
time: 4:14
